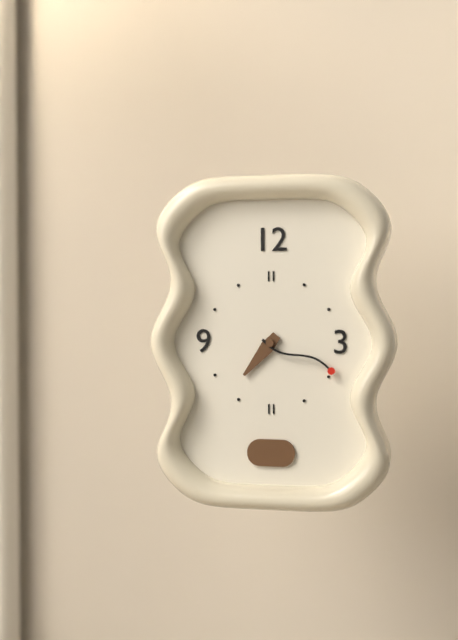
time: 7:19
